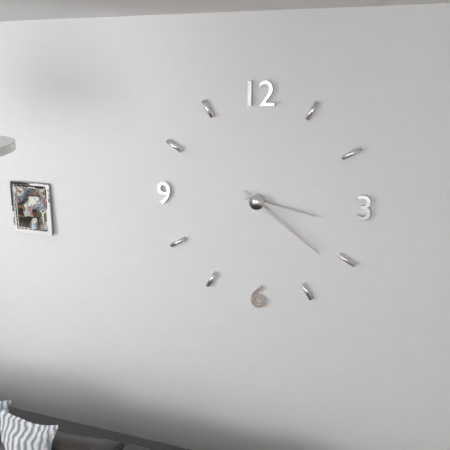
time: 3:21
